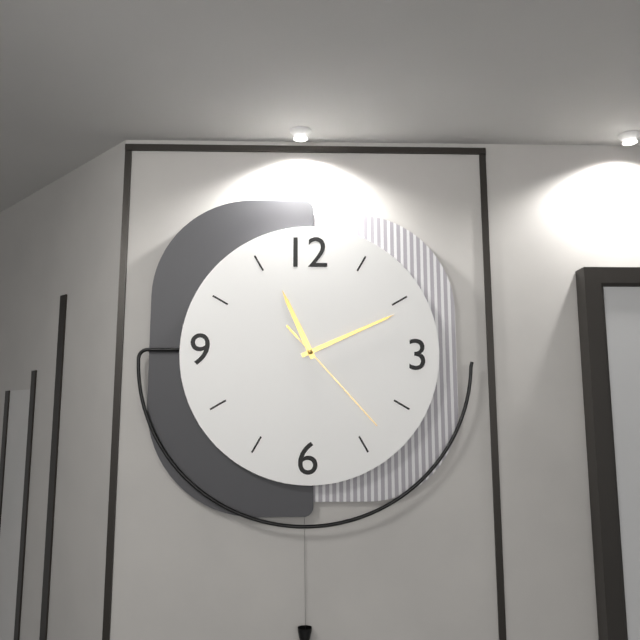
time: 11:11:23
